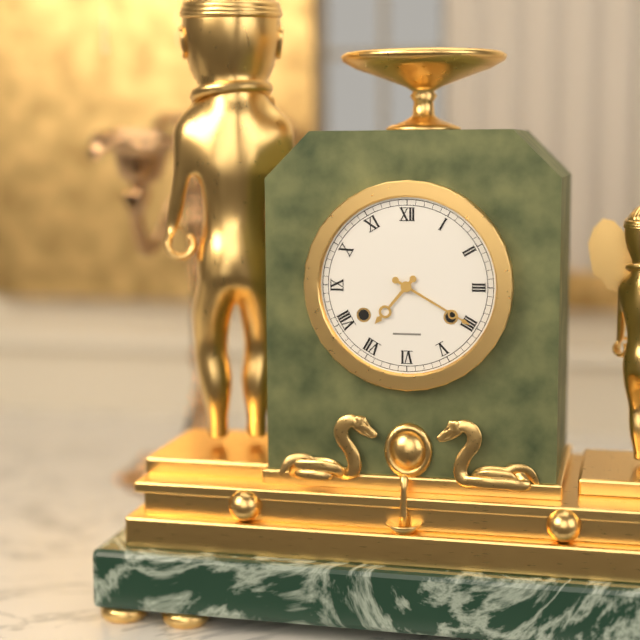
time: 7:20
